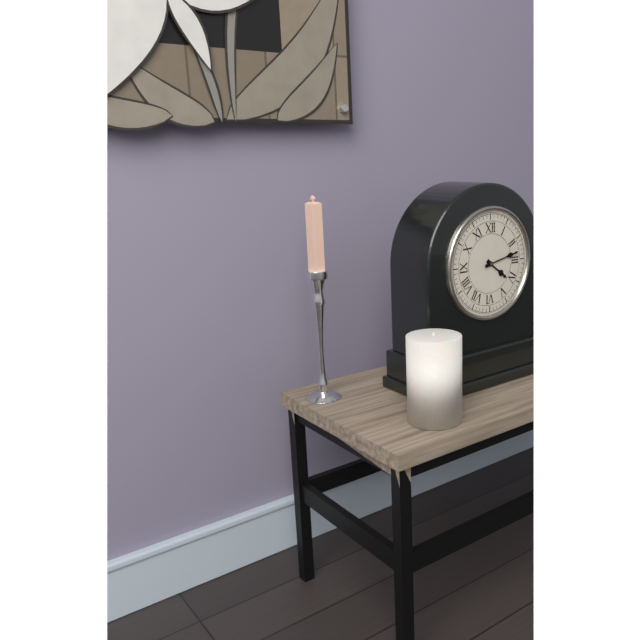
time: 4:13
